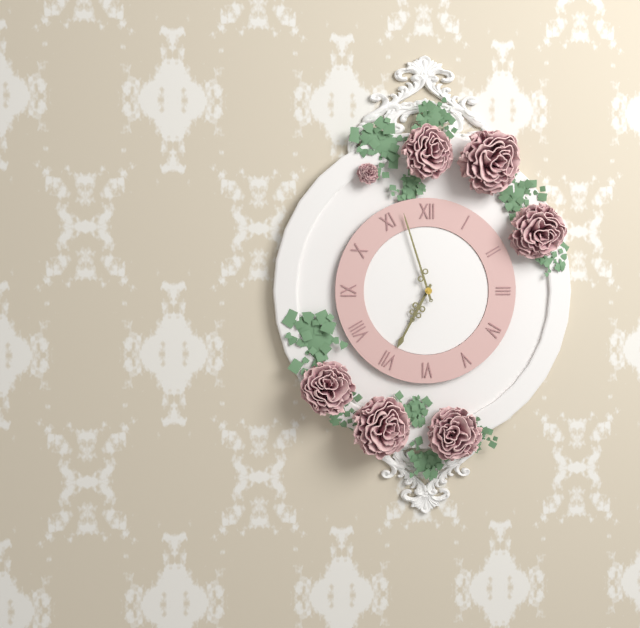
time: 6:57
